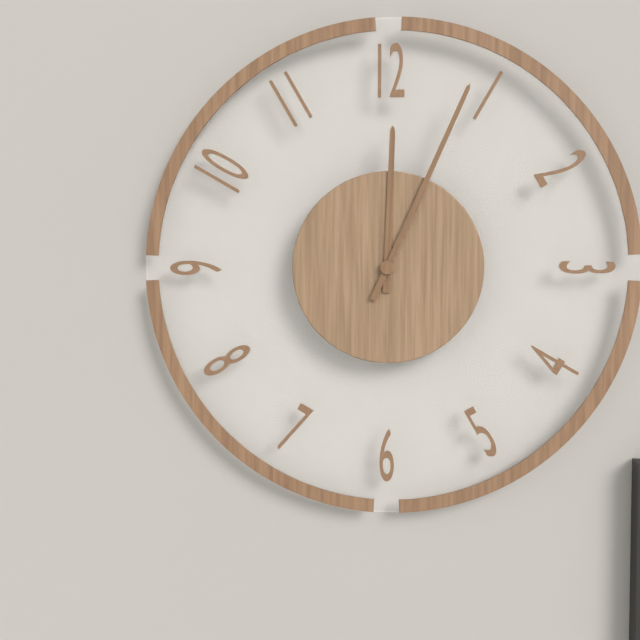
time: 12:04
